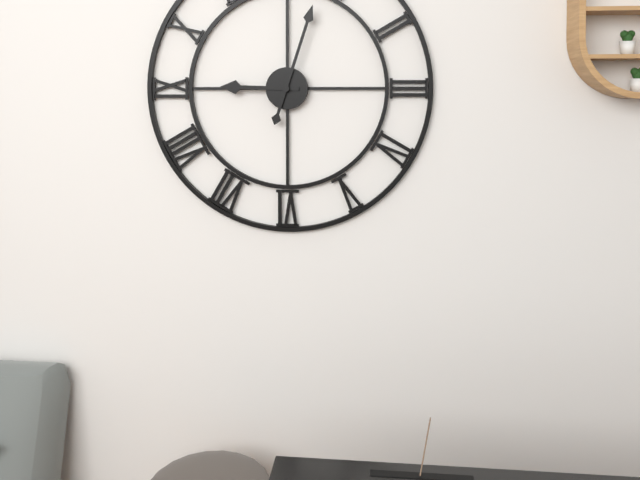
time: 9:03
